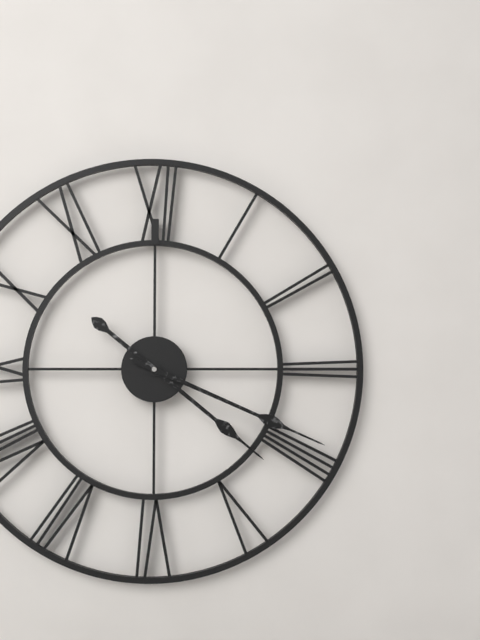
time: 4:19
